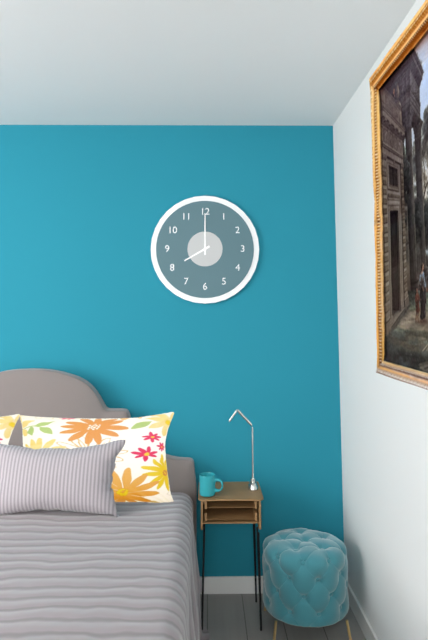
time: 8:00
